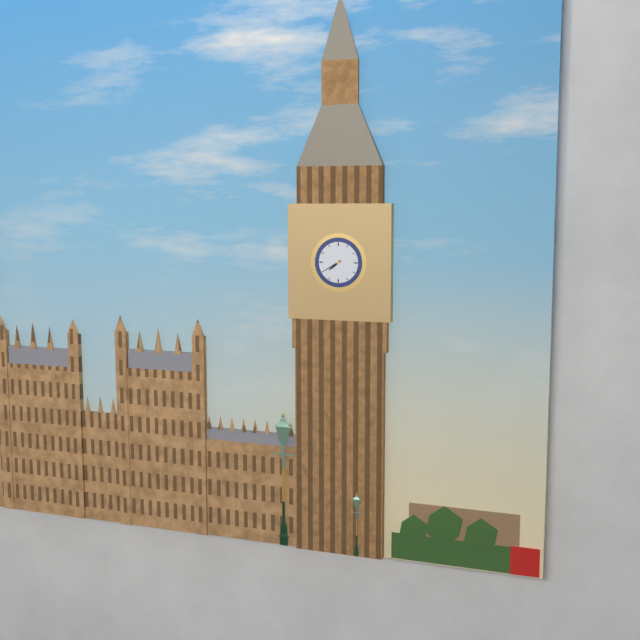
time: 7:40
